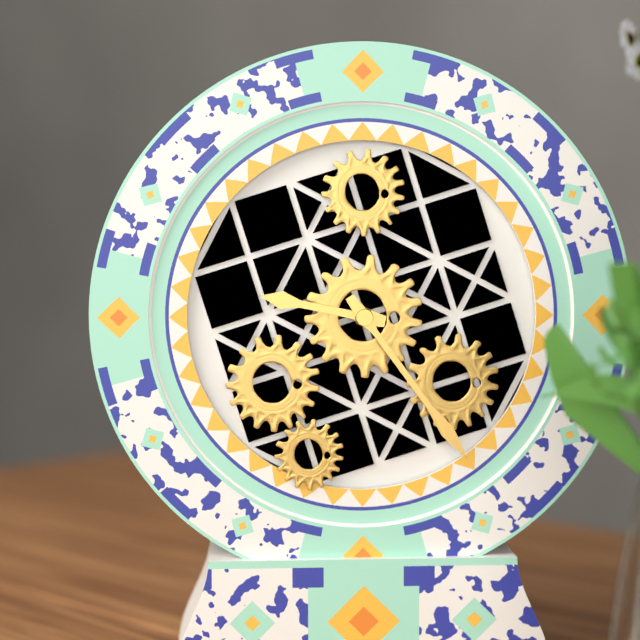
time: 9:24
